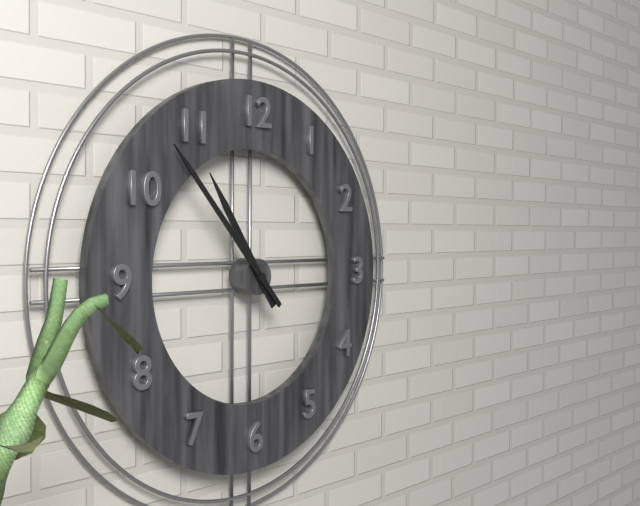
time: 10:53
